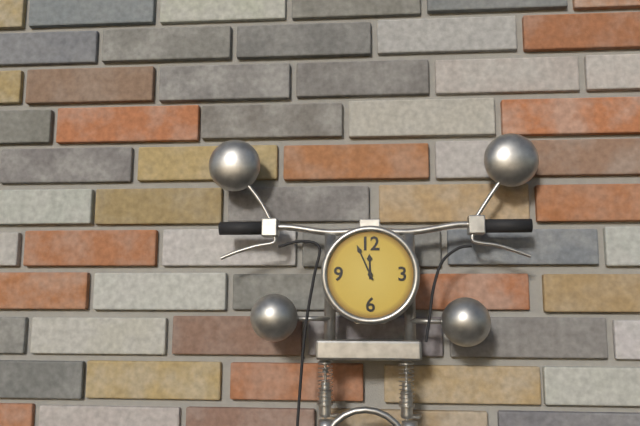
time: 11:56
